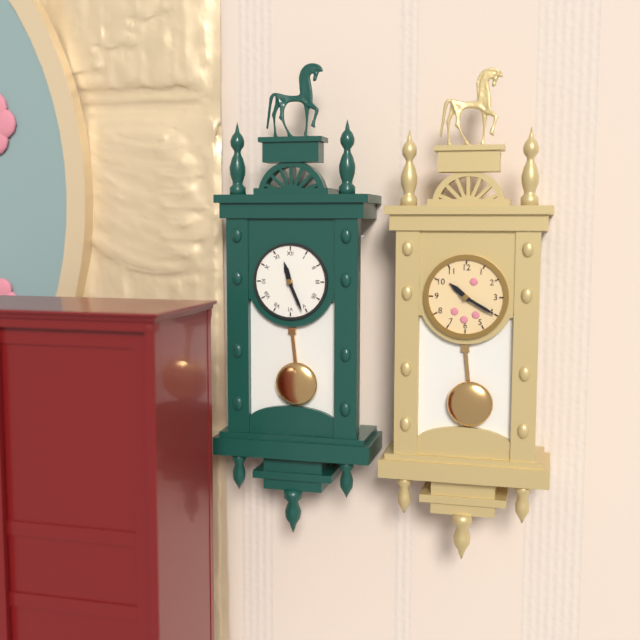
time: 11:26
